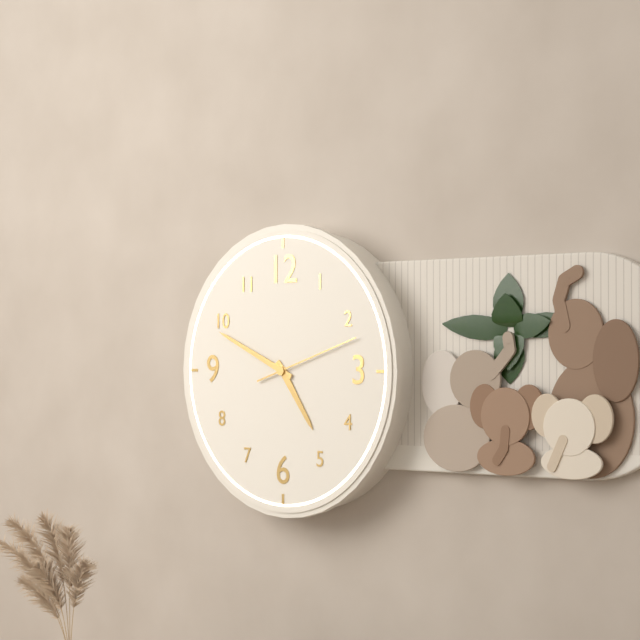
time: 4:49:12
